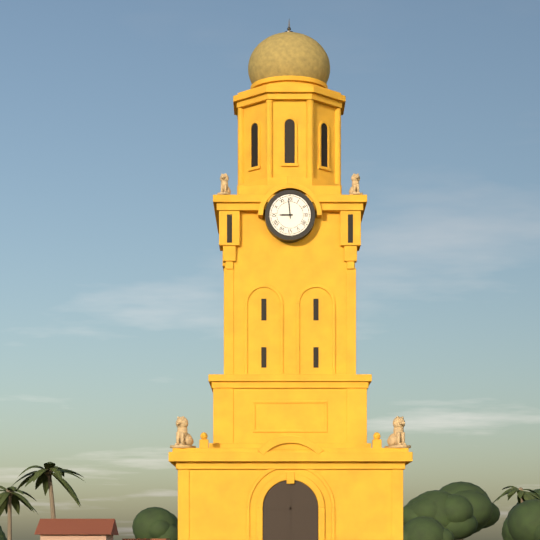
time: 8:59
